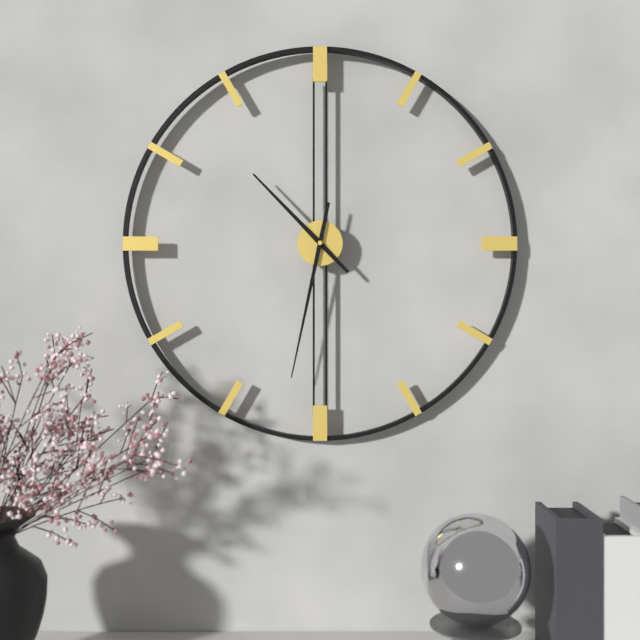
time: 10:32
